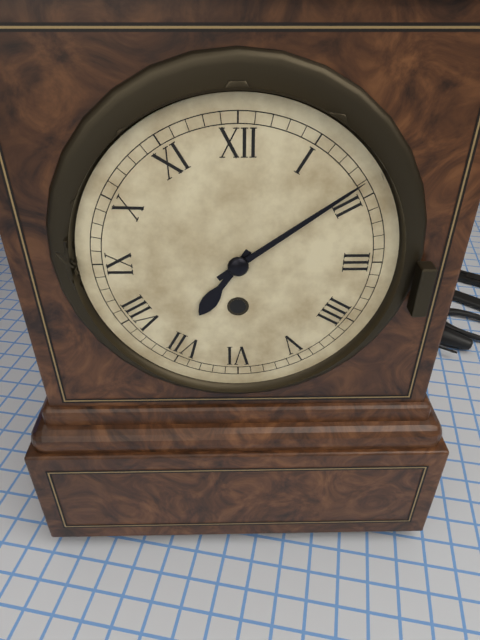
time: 7:09
